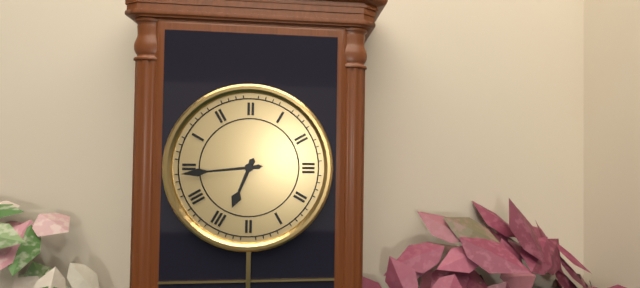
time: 6:44
